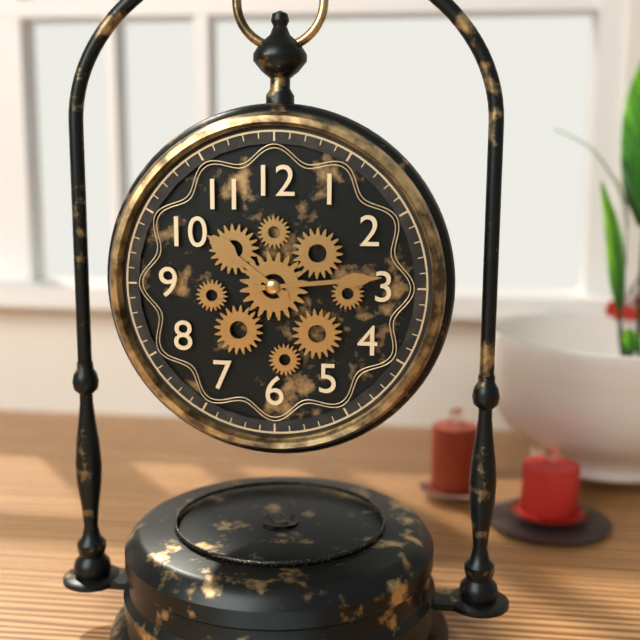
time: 10:14
